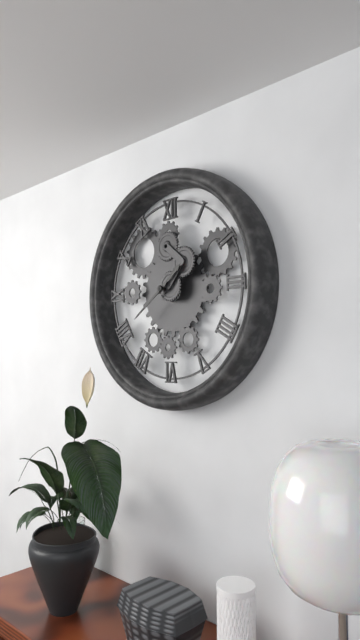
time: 1:39
